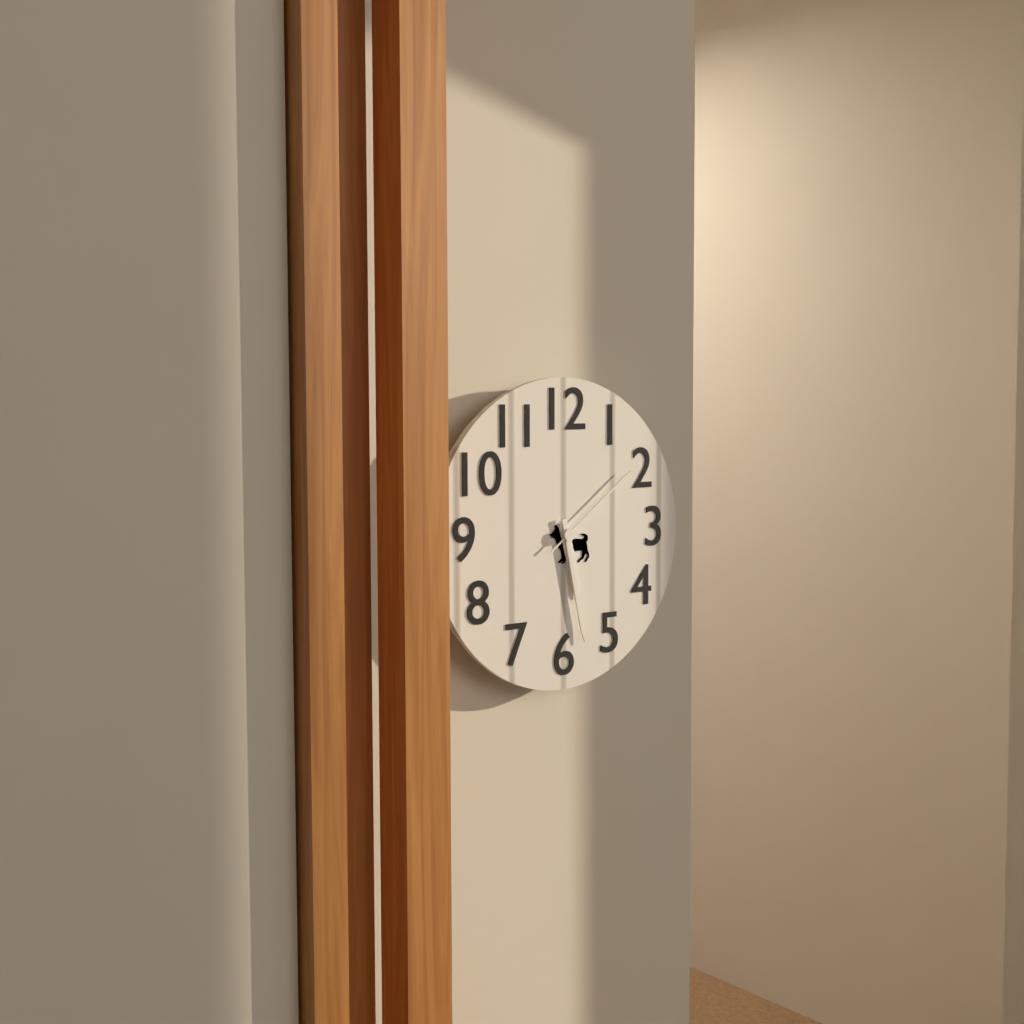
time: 5:28:09
